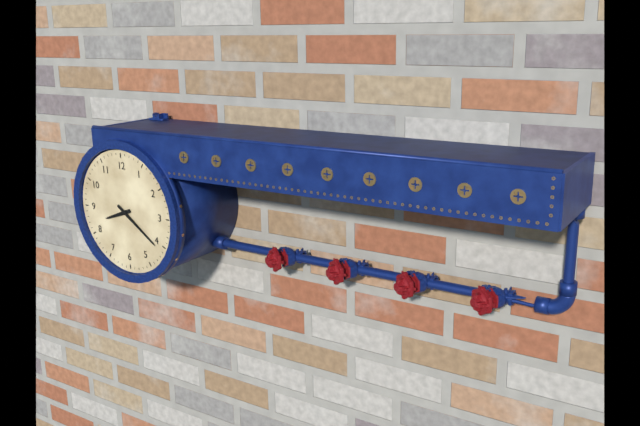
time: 8:21
